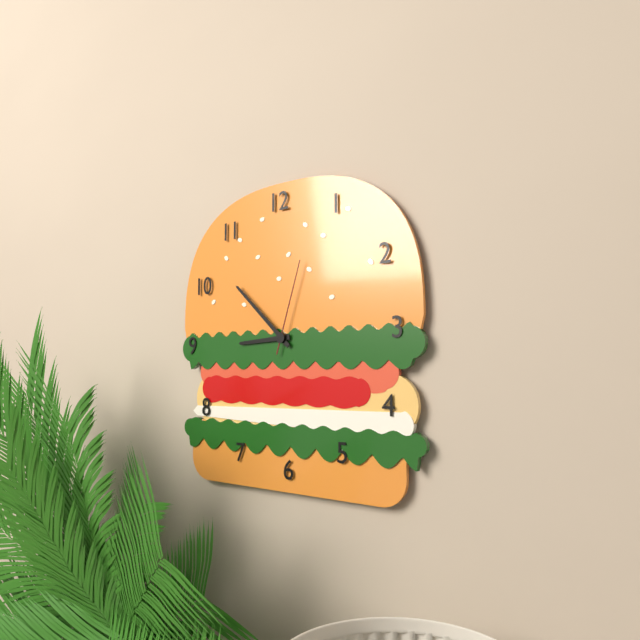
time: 8:52:03
